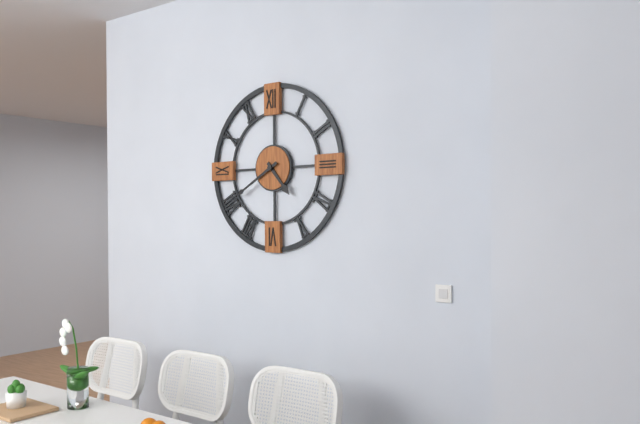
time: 4:40
